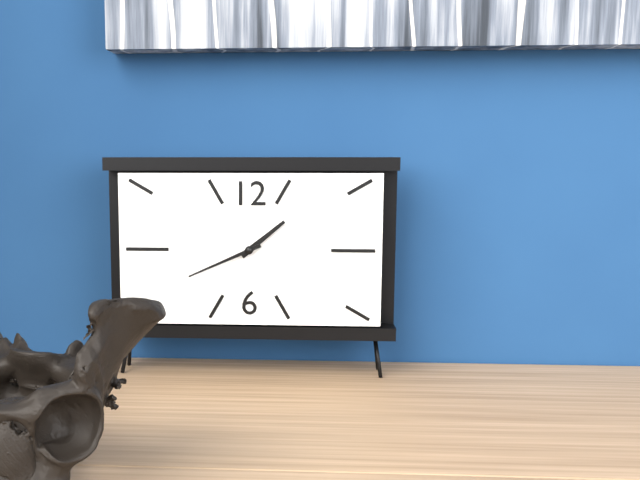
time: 1:41
